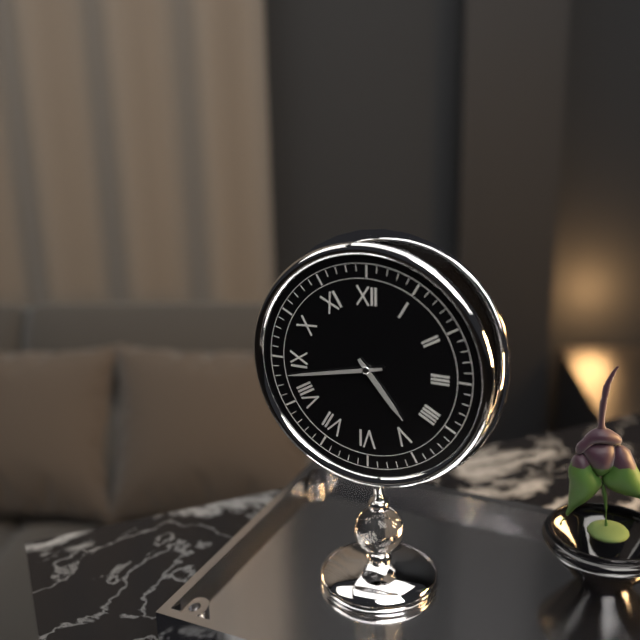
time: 4:43
